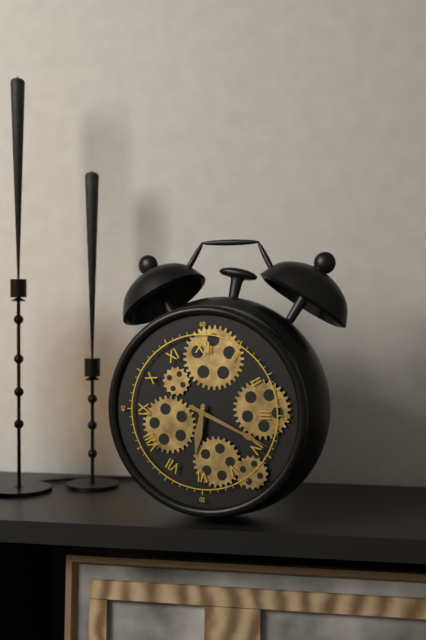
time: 6:19
